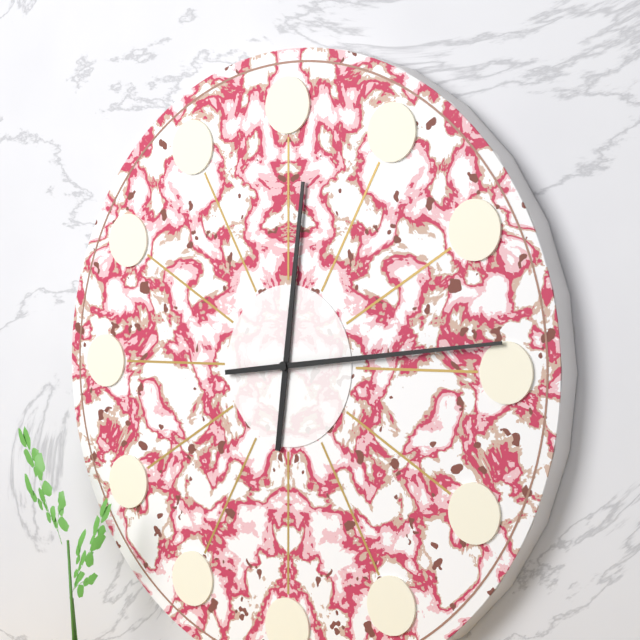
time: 12:14
